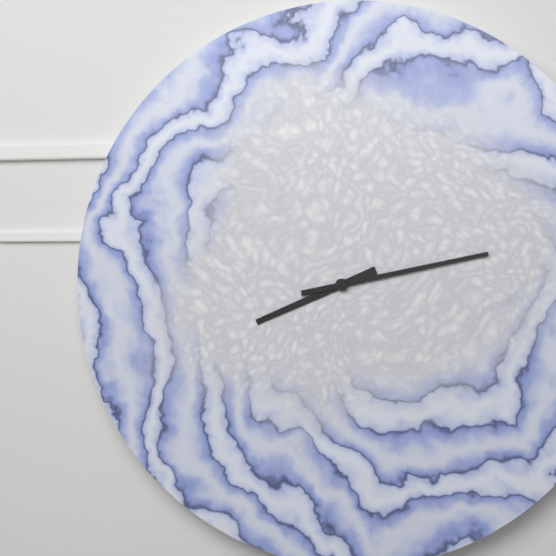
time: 8:13
